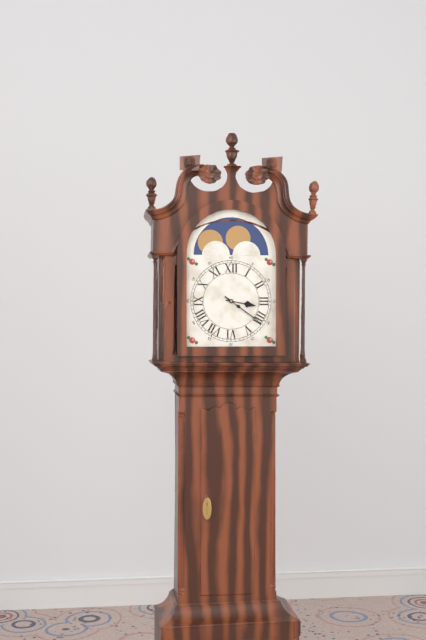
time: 3:21
